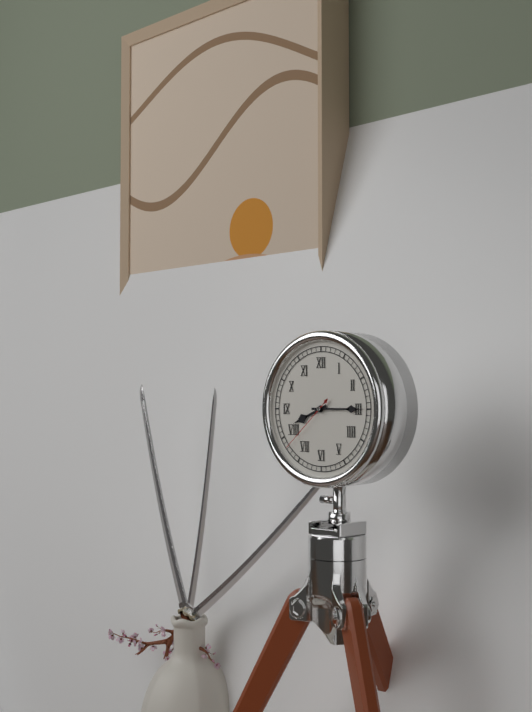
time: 8:15:38
